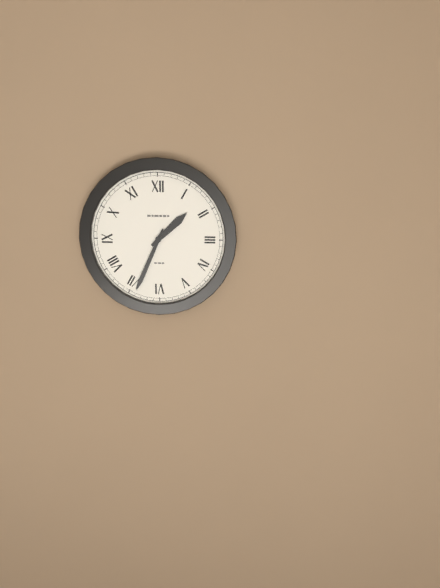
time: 1:34
